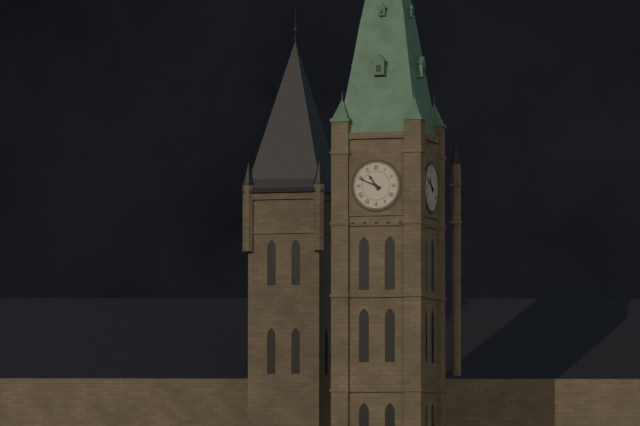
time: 10:49
